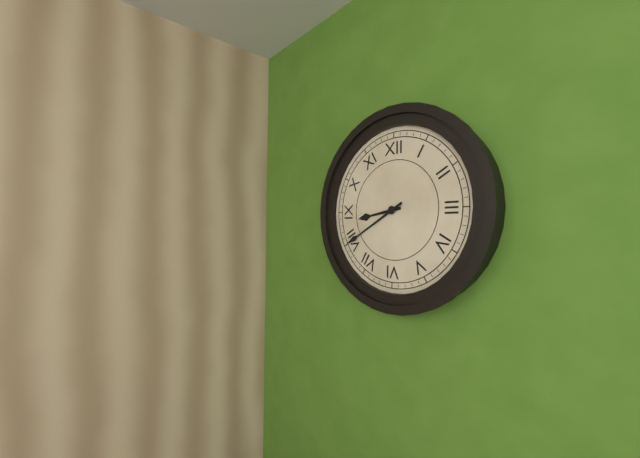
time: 8:40
